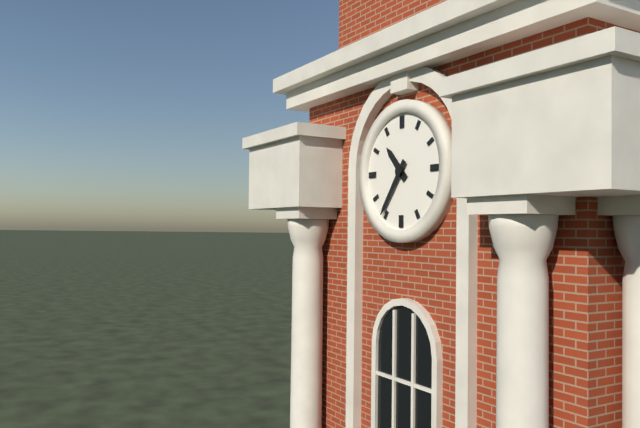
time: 10:36
